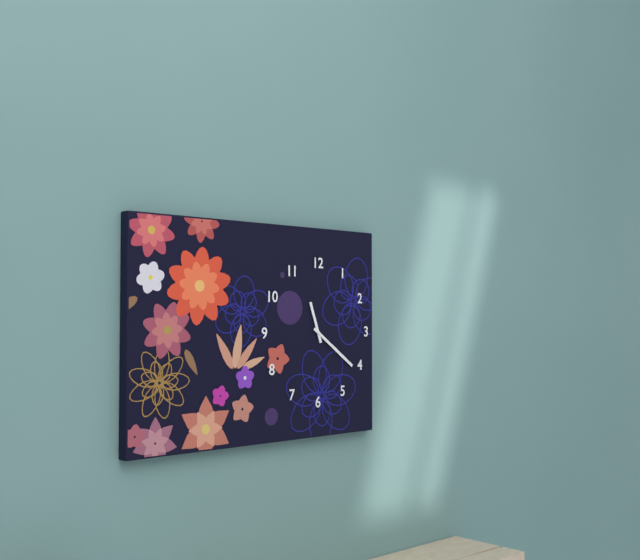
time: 11:21
